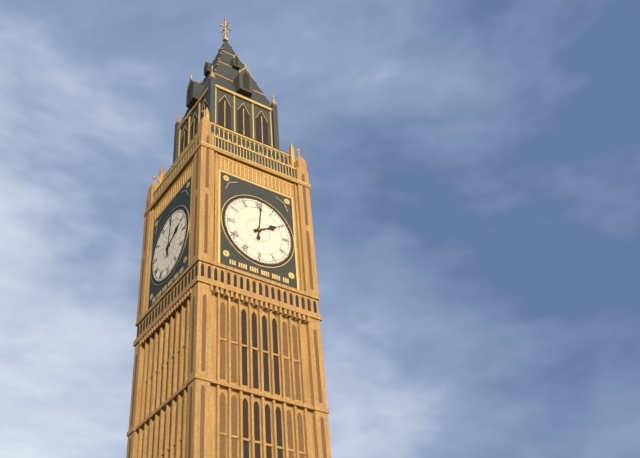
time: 2:01
